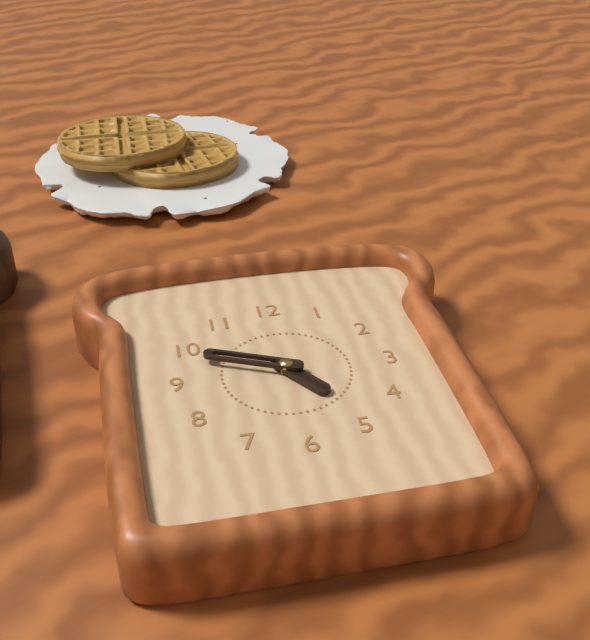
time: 4:49
